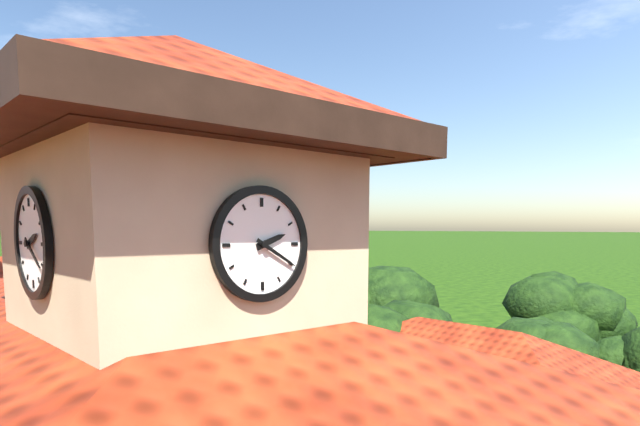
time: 2:20
